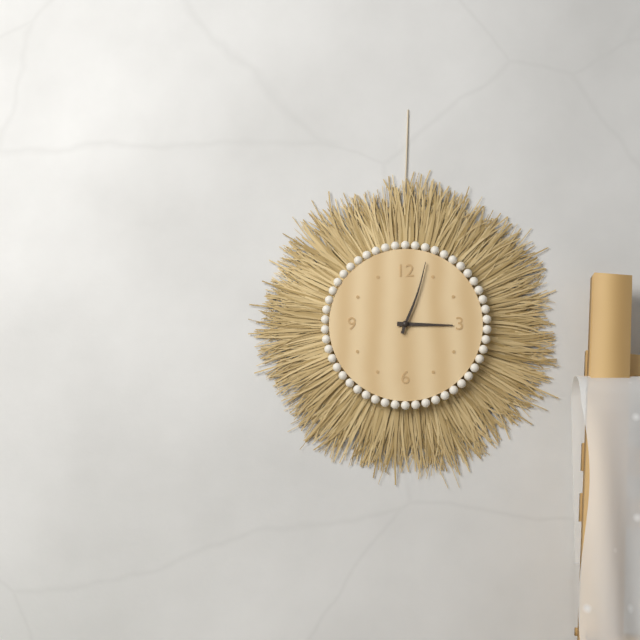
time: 3:03
